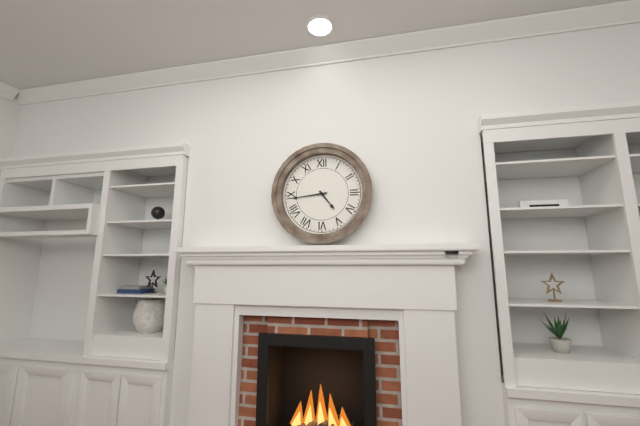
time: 4:44
